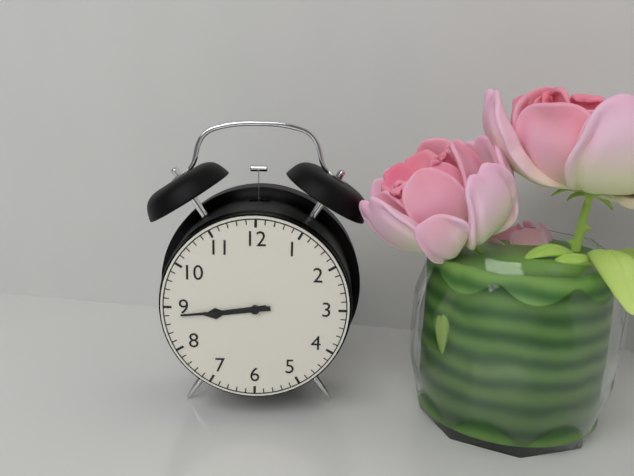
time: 8:44
